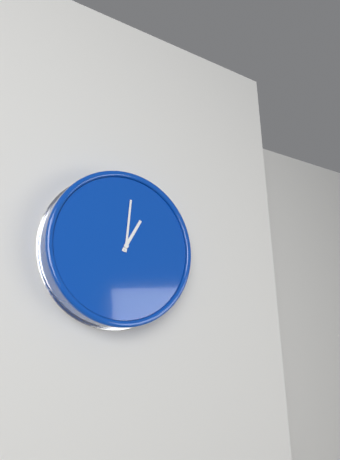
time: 1:01
